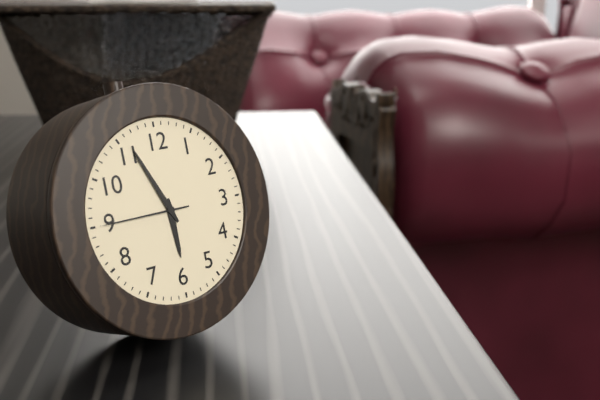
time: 5:56:45
